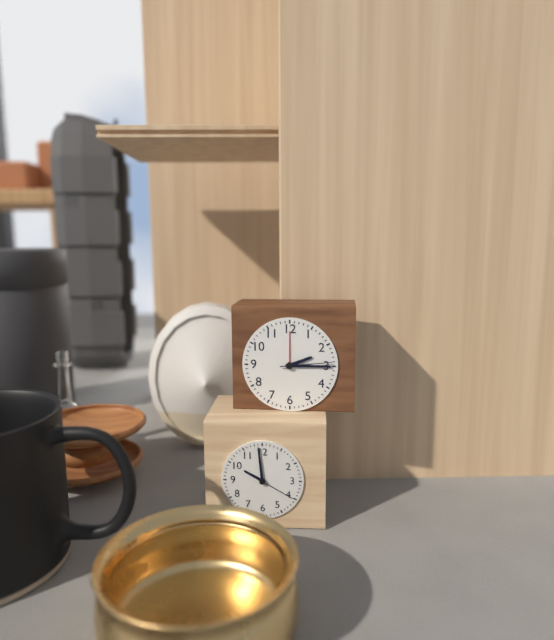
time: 2:15:14
